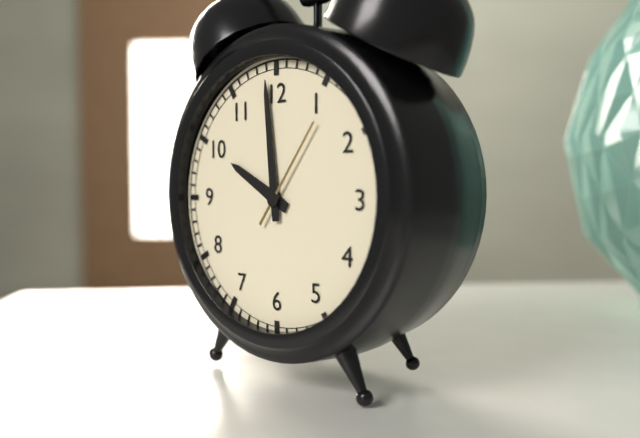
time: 9:59:06
